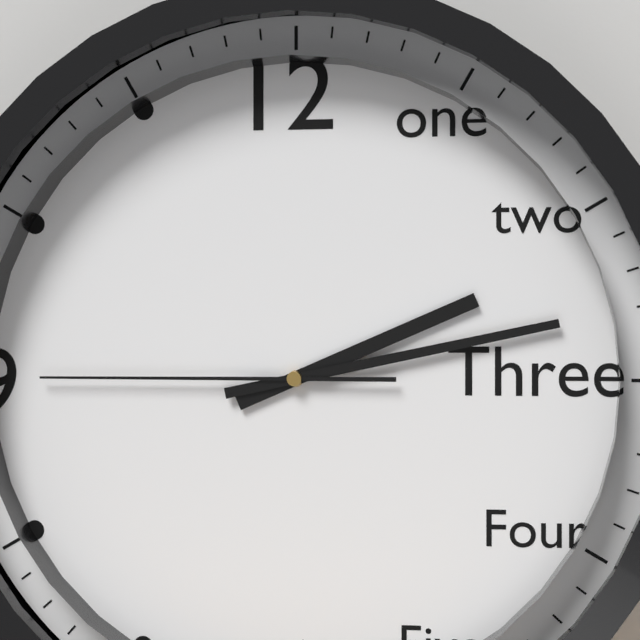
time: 2:13:45
